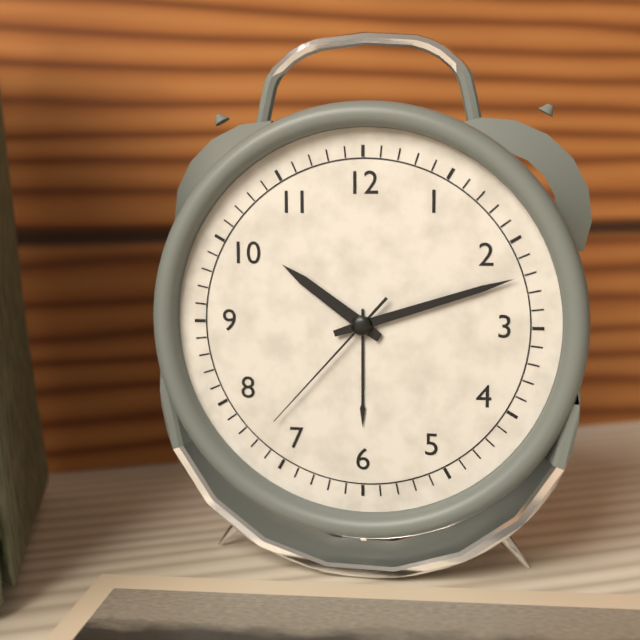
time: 10:12:37
